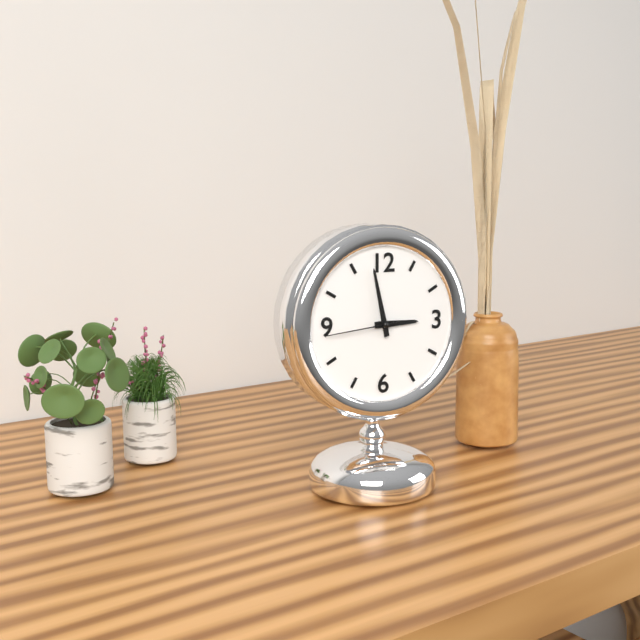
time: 2:58:44
